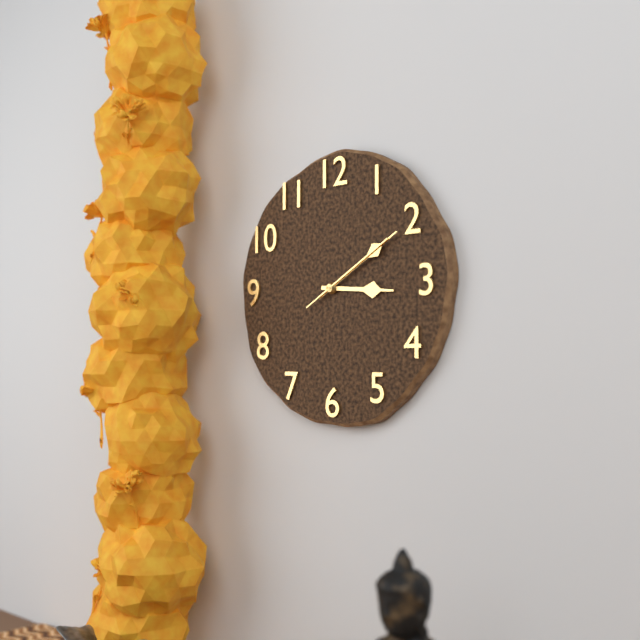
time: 3:10:10
